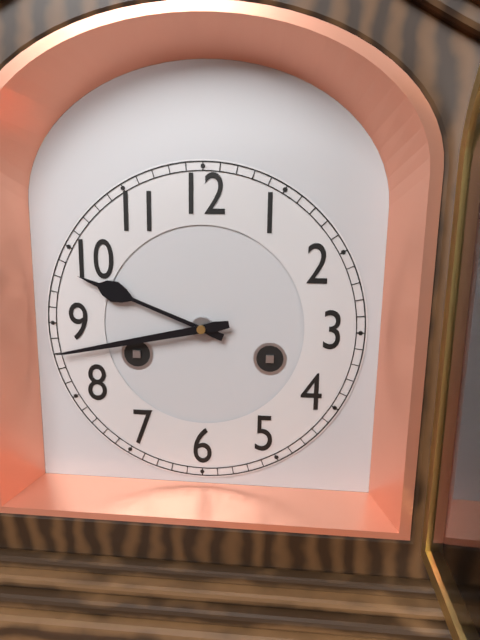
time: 9:43
